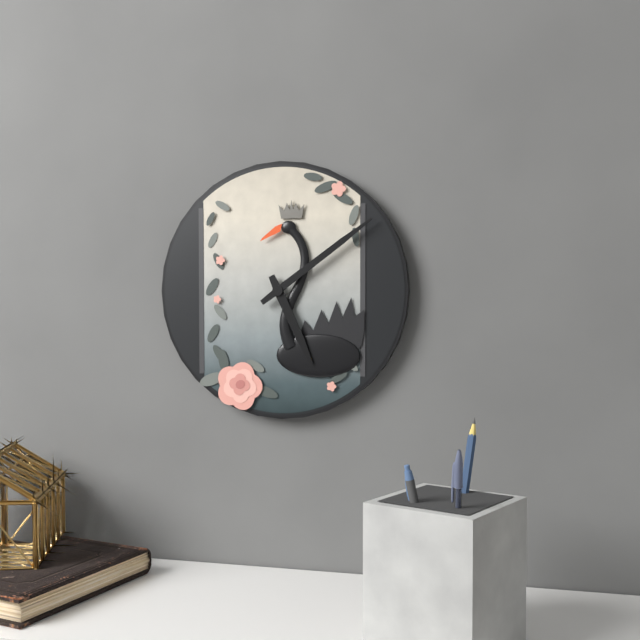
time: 5:09
